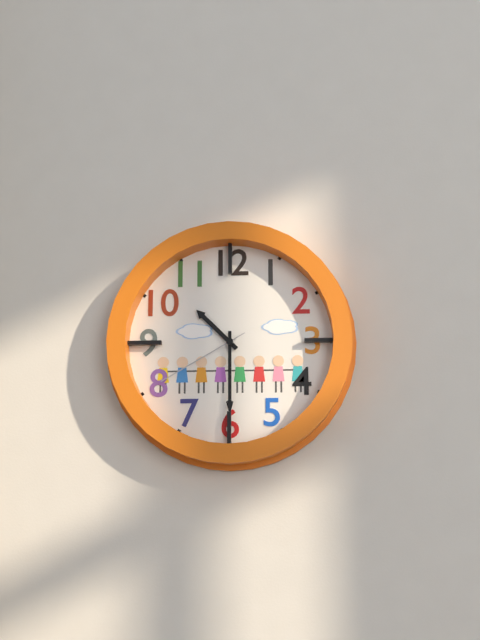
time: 10:30:40
